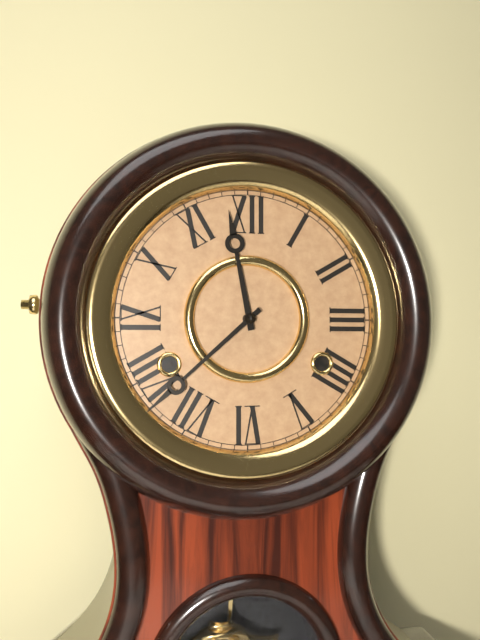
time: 11:38
